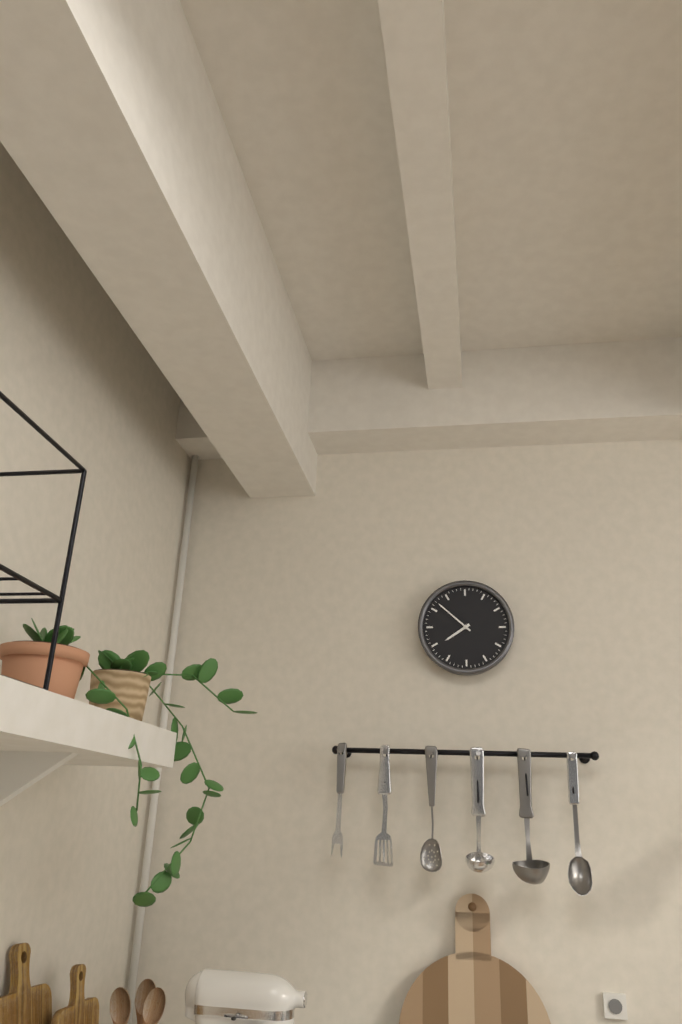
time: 7:52
